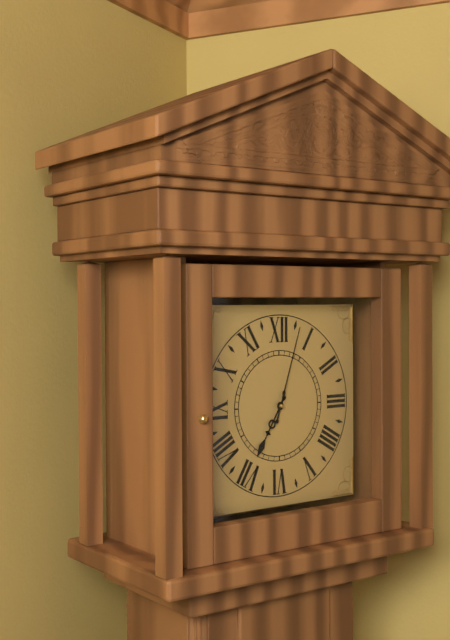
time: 7:03
